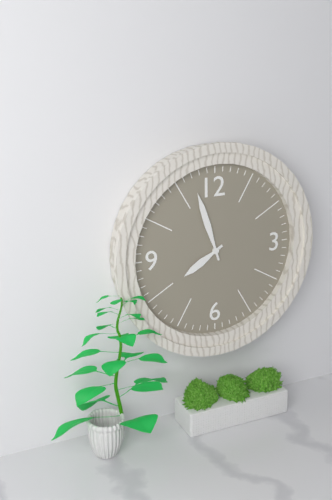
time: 7:57
